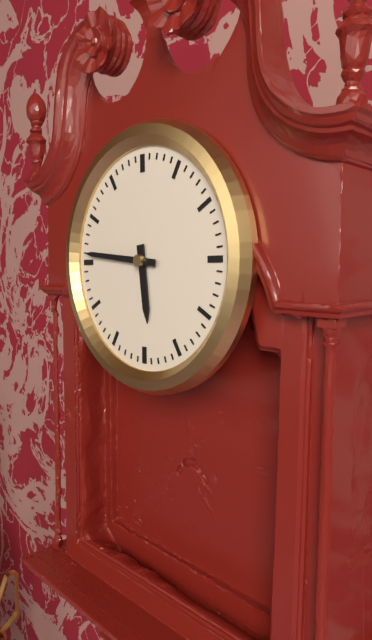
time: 5:46
